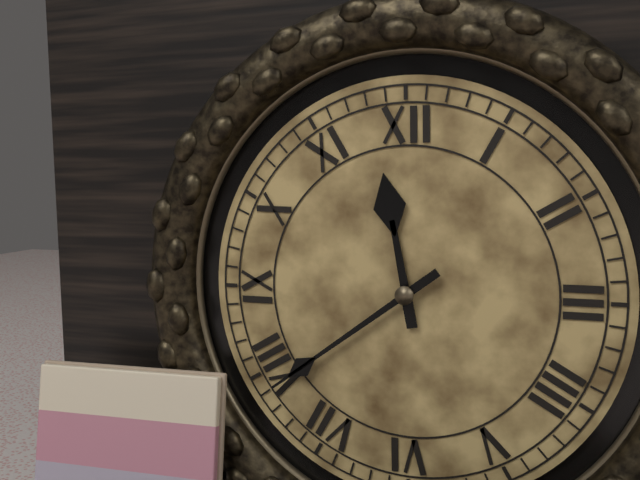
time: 11:39
